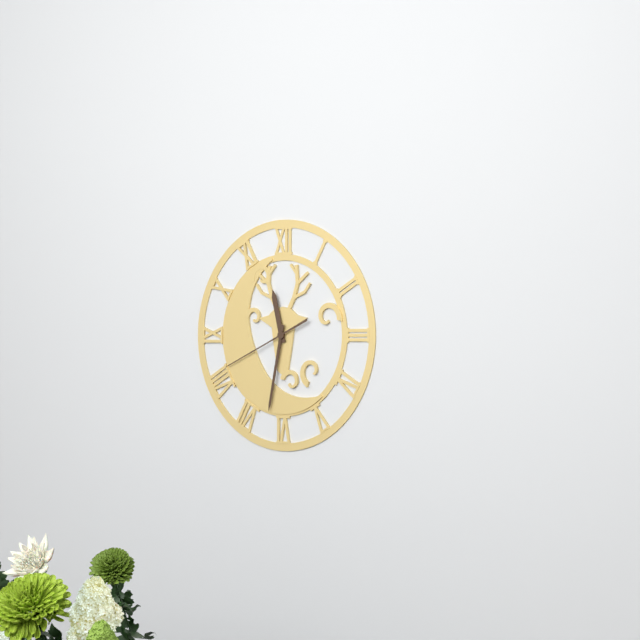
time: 11:32:41
